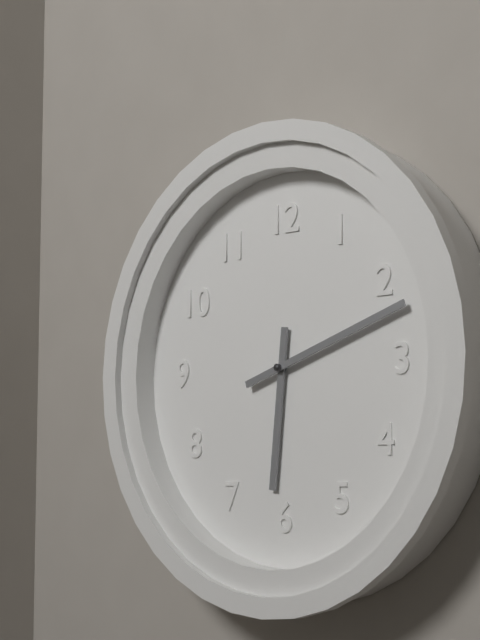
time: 6:12
